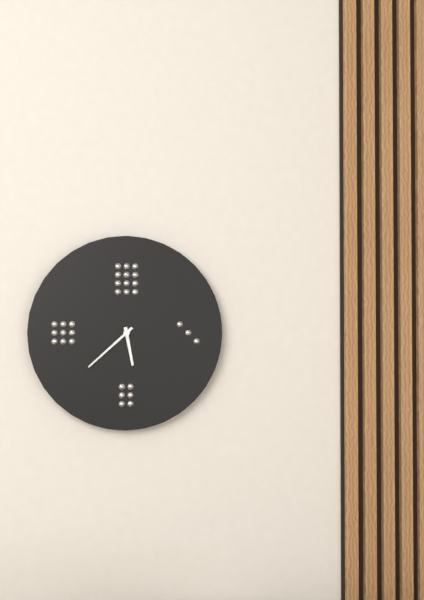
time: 5:38
